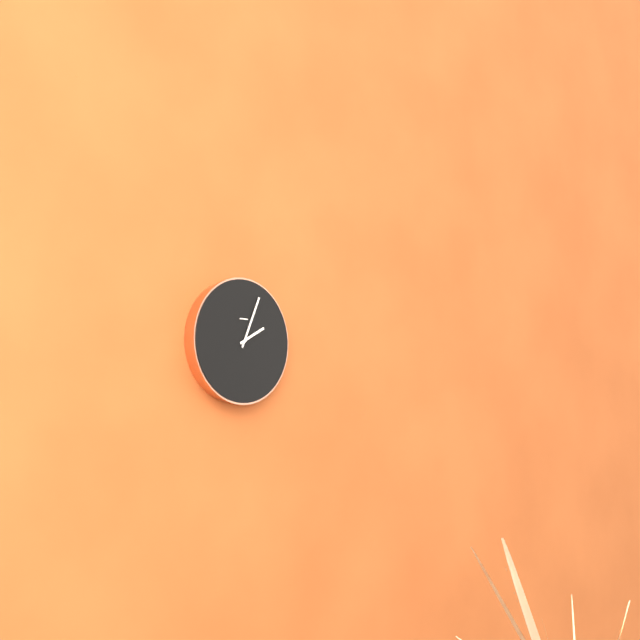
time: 2:04
